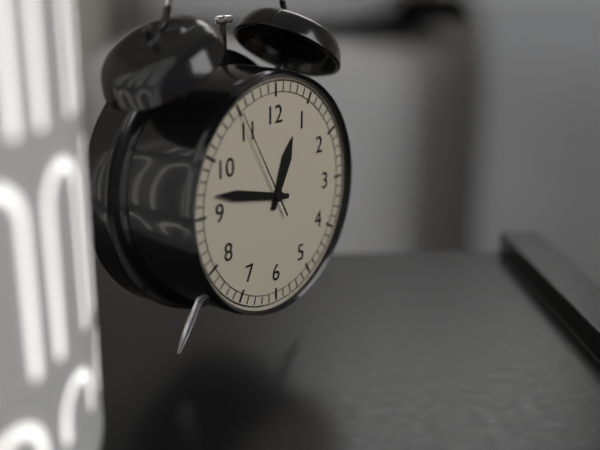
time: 12:47:55
